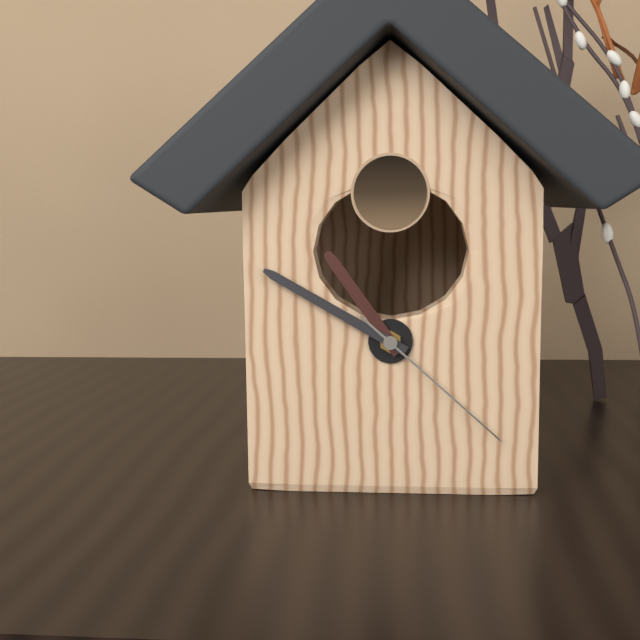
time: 10:50:22
